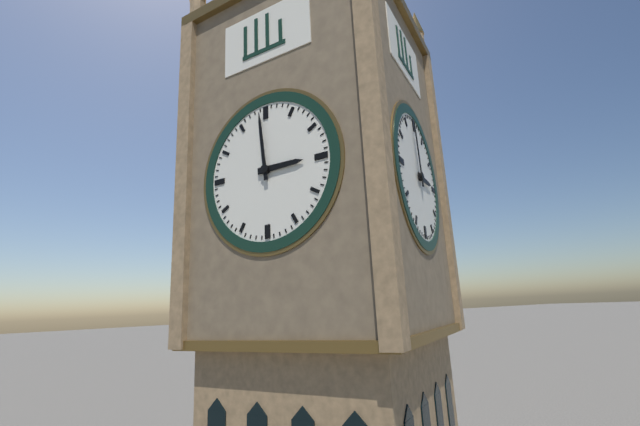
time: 2:59
